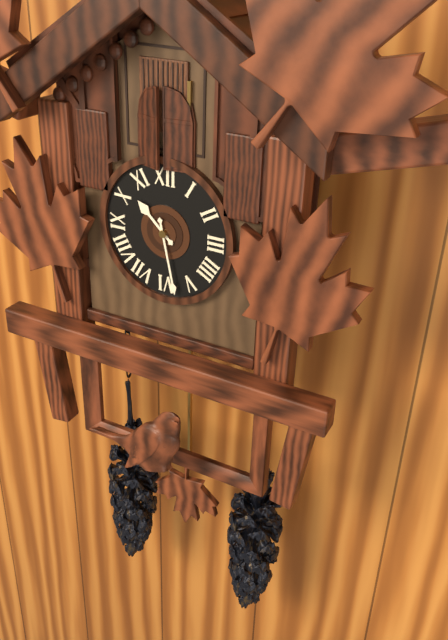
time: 10:28
